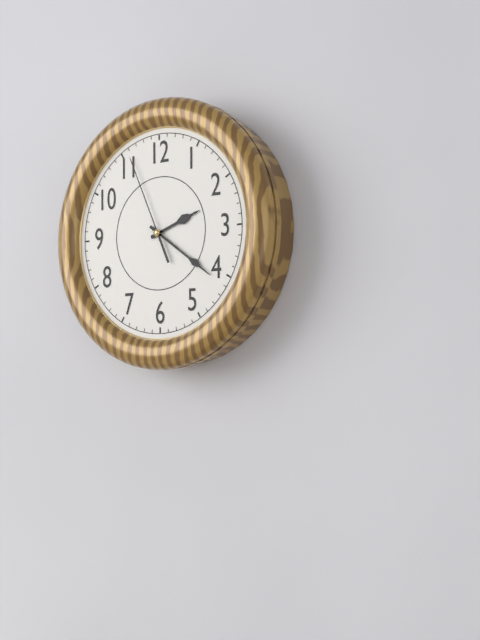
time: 2:21:56
